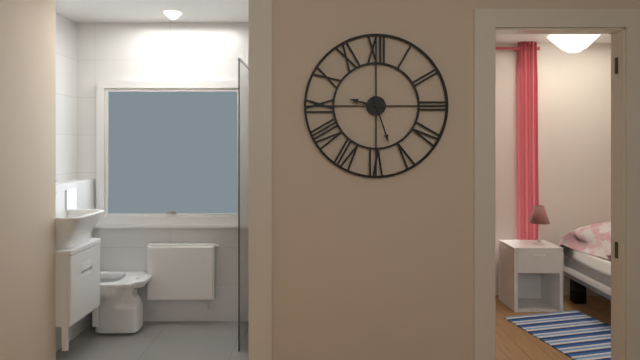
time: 9:27
